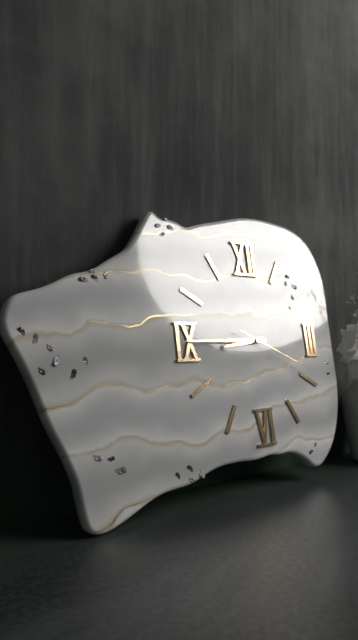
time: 8:45:19
